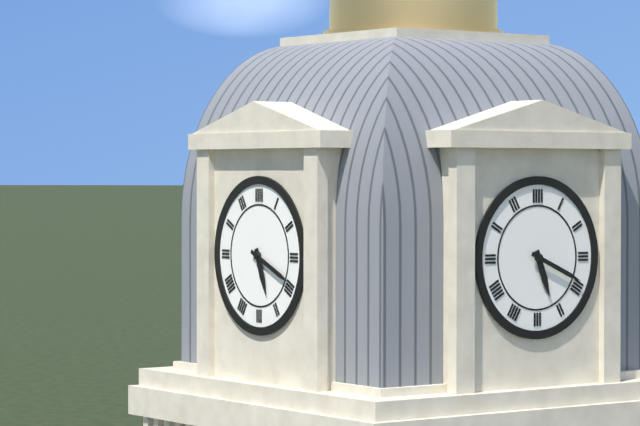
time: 5:19
